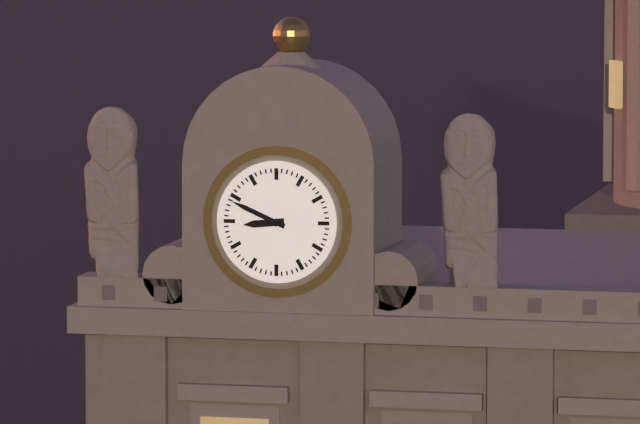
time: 8:49
